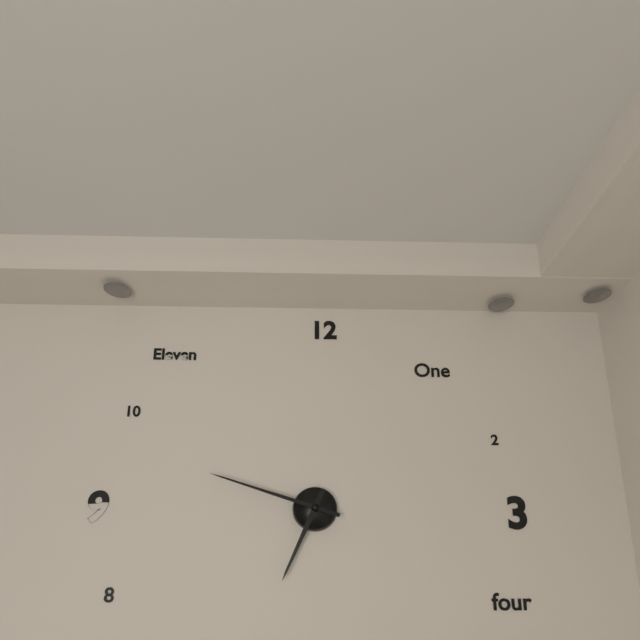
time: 6:48
